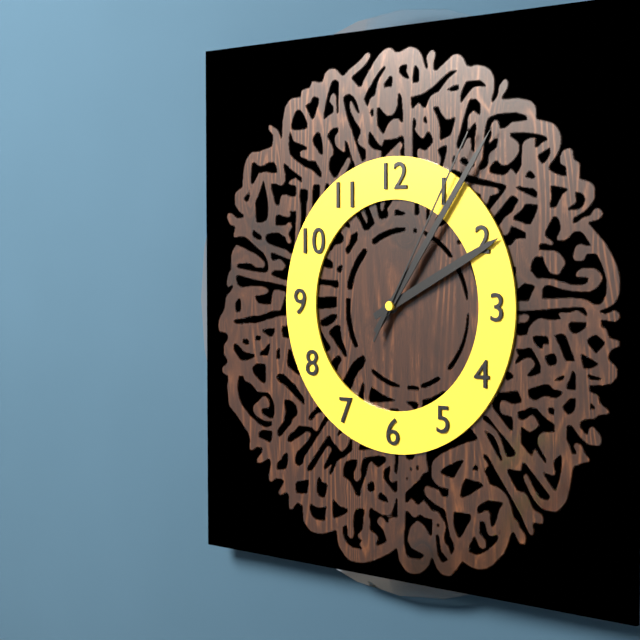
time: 2:06:05
